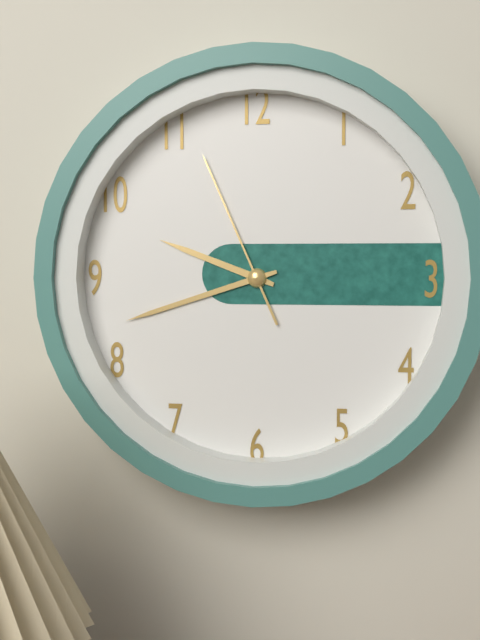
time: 9:42:56
